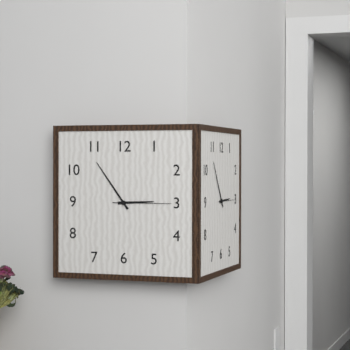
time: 2:54:15
